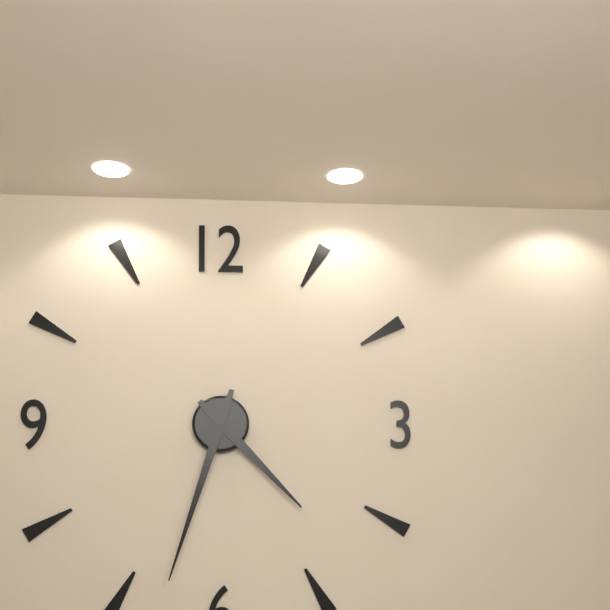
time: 4:33
